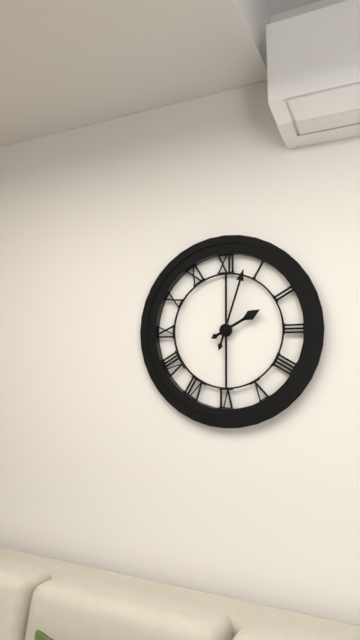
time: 2:03
